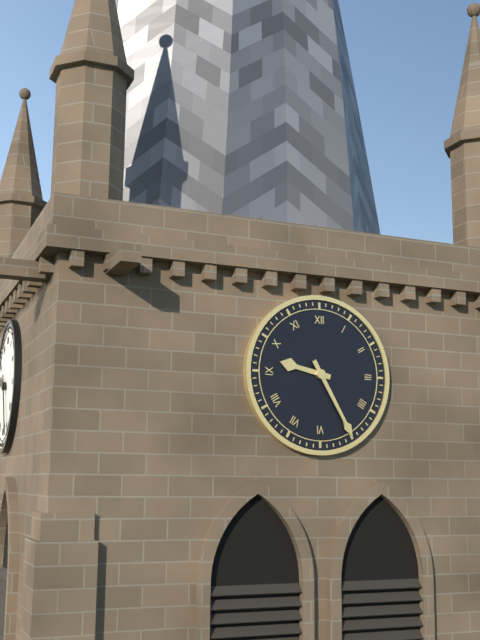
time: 9:25
